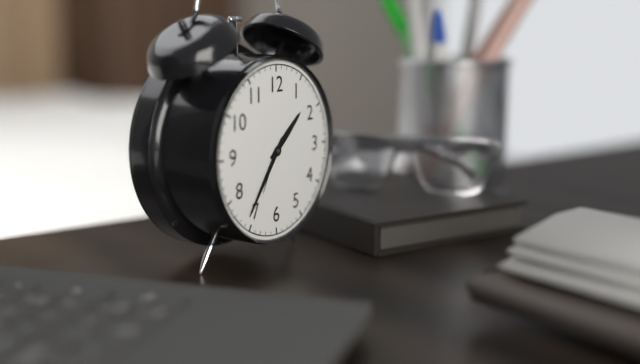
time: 1:36
